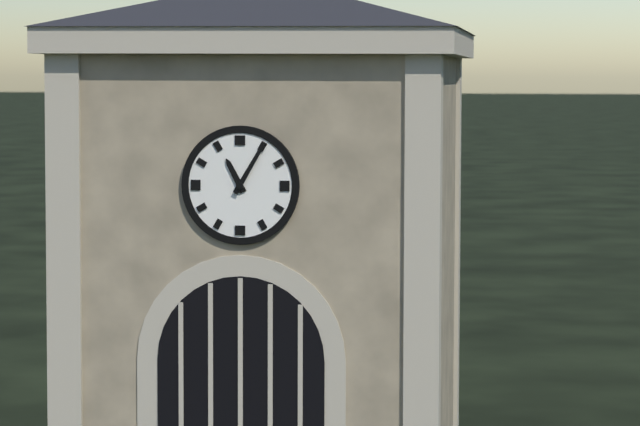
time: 11:05
